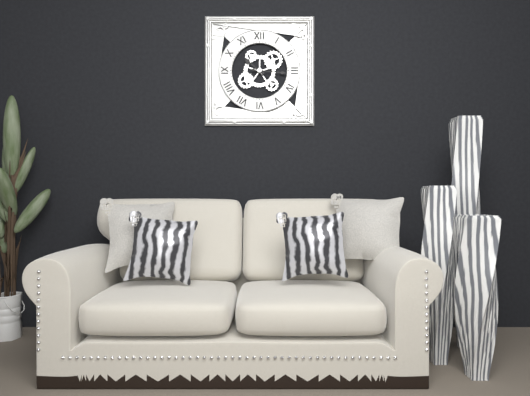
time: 10:16
